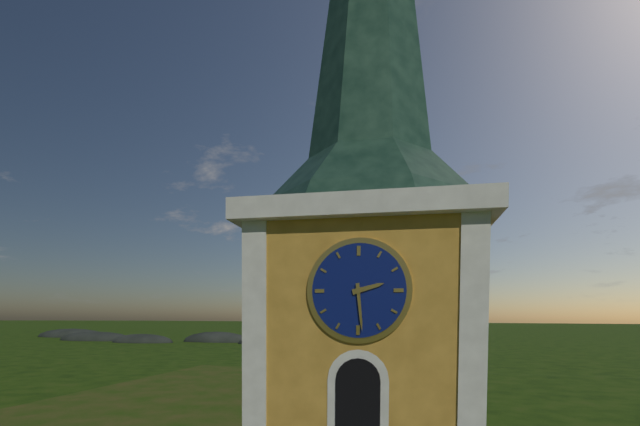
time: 2:29
